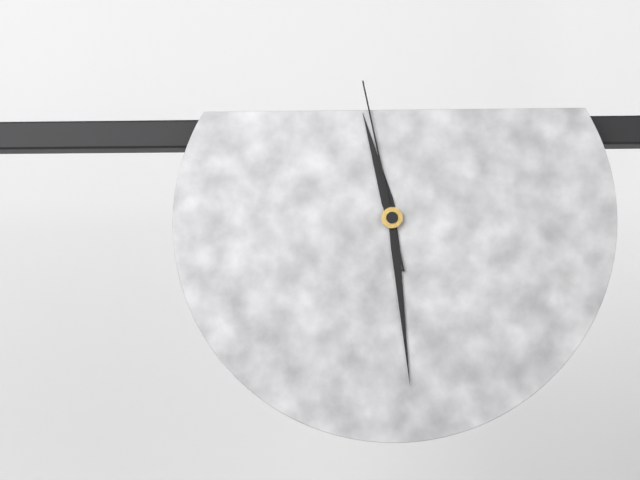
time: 11:29:58
